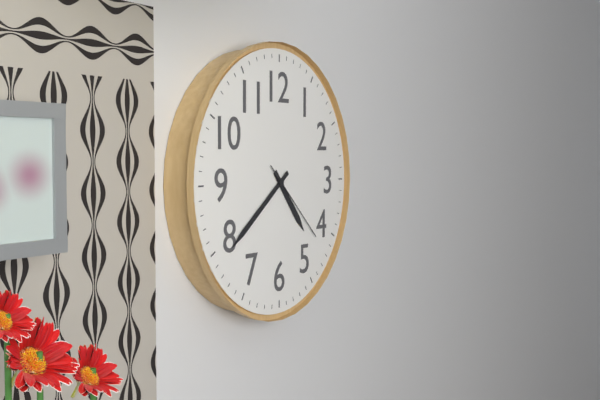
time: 4:39:22
